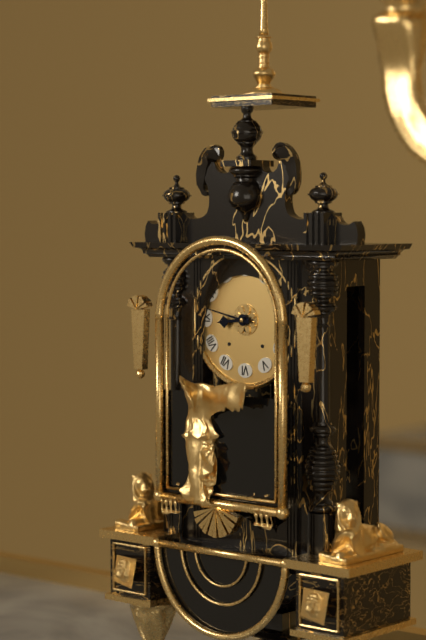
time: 8:47
